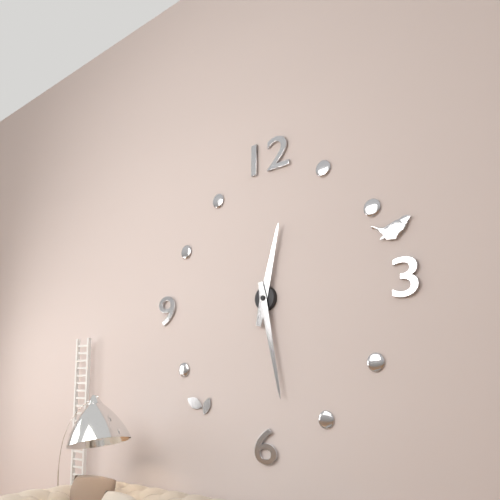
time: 12:28
